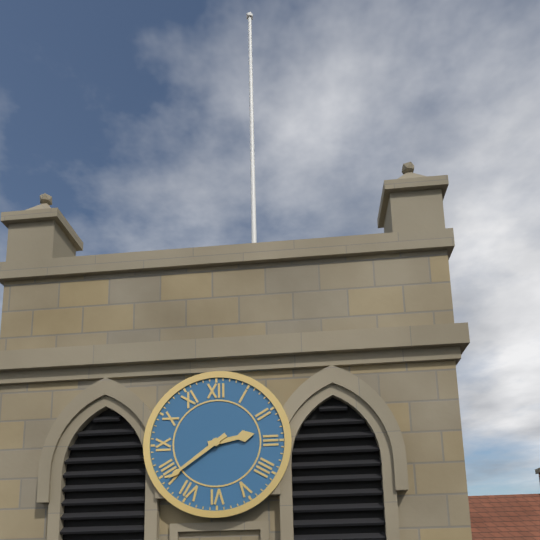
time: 2:39
